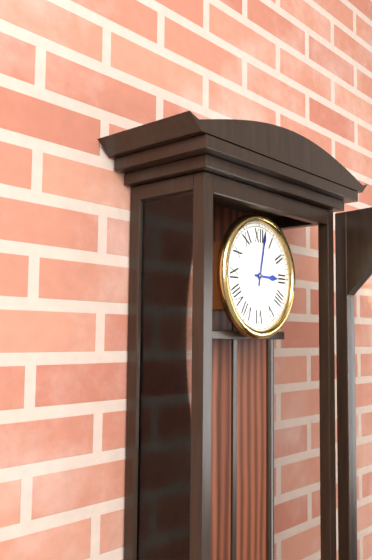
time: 3:02
